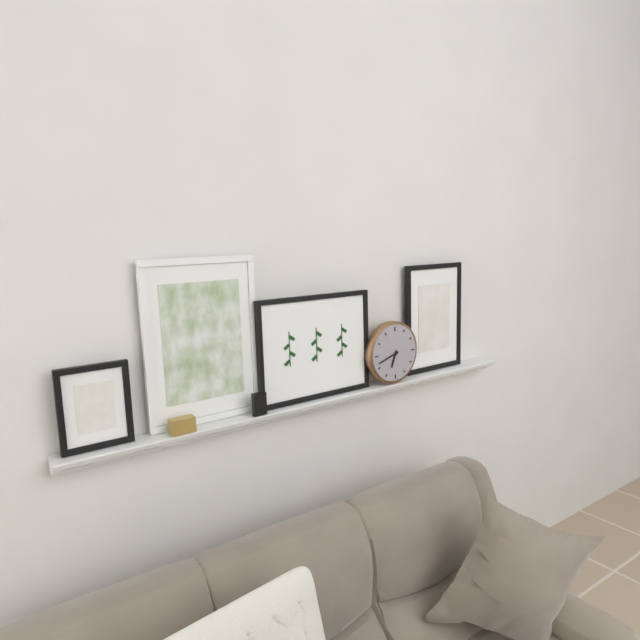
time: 6:42
